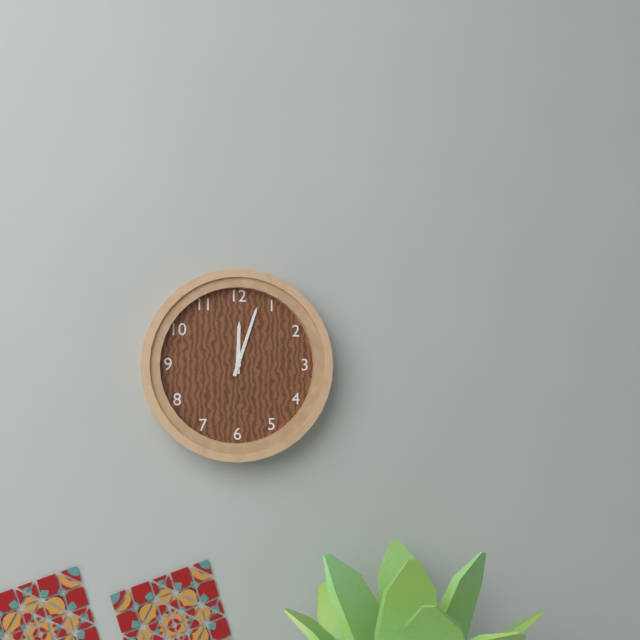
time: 12:03
